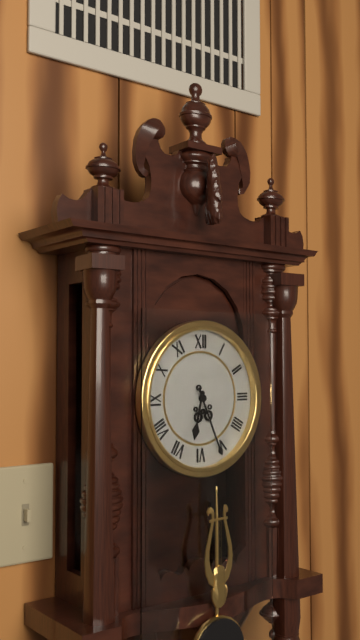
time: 6:26
